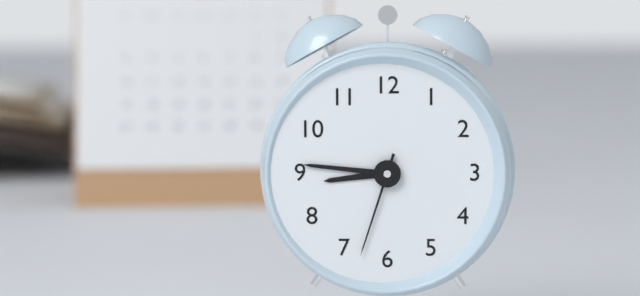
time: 8:46:33
